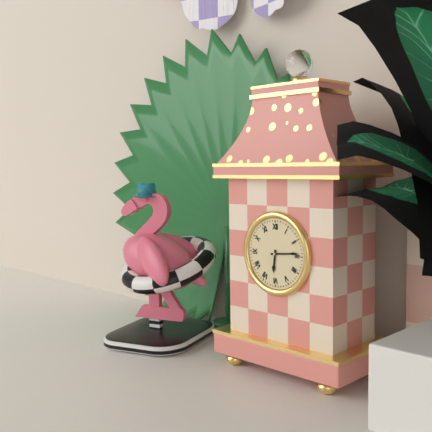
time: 6:14
